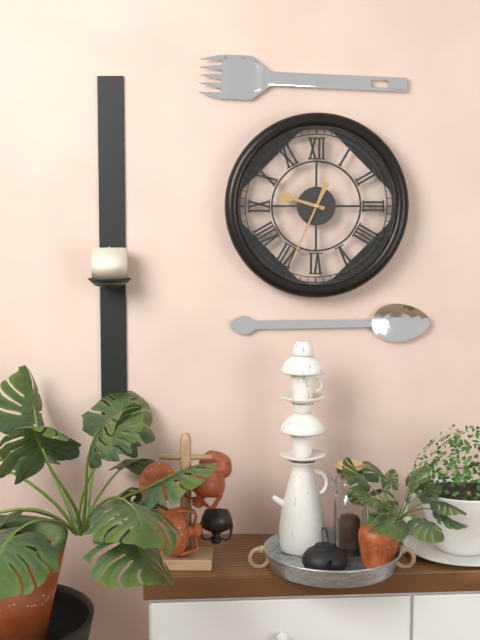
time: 9:34
